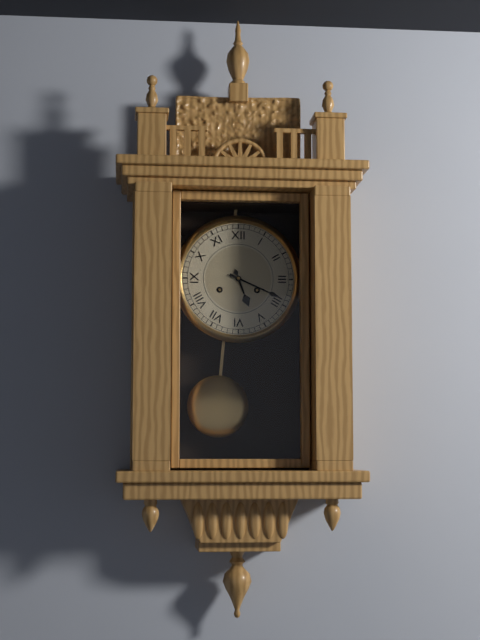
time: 5:19
